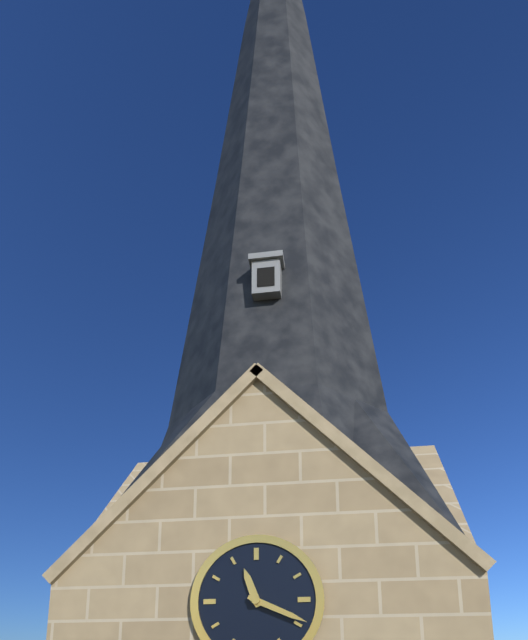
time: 11:19
